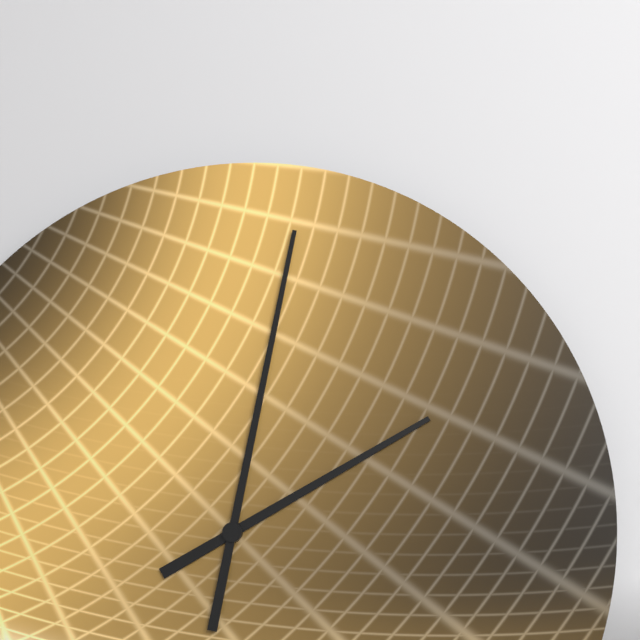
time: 2:02
